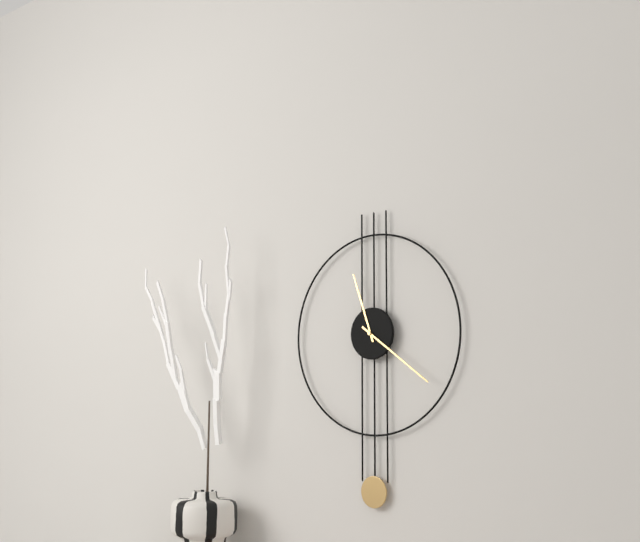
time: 11:21
